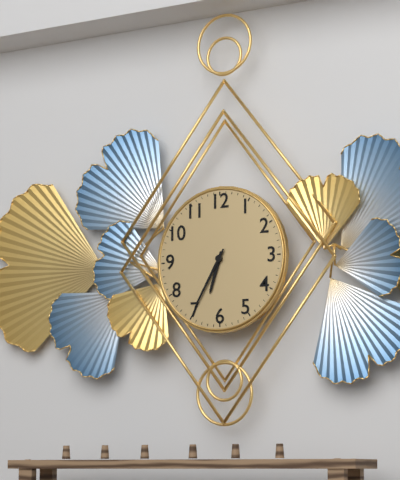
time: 6:35
